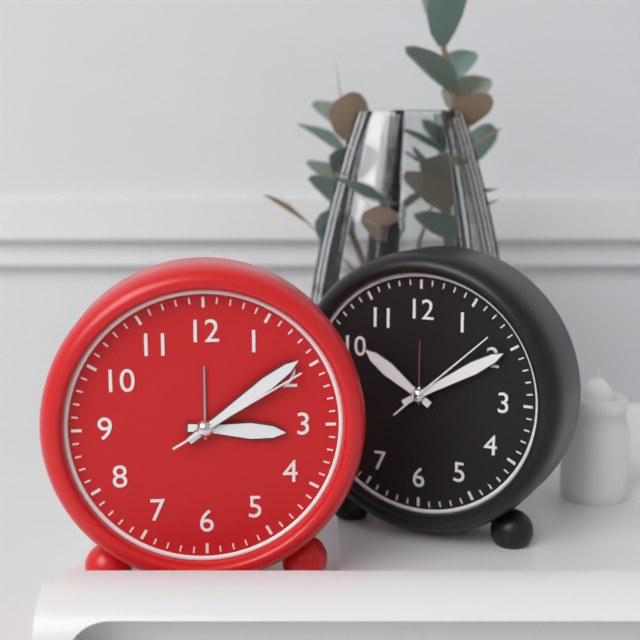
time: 3:09:10
